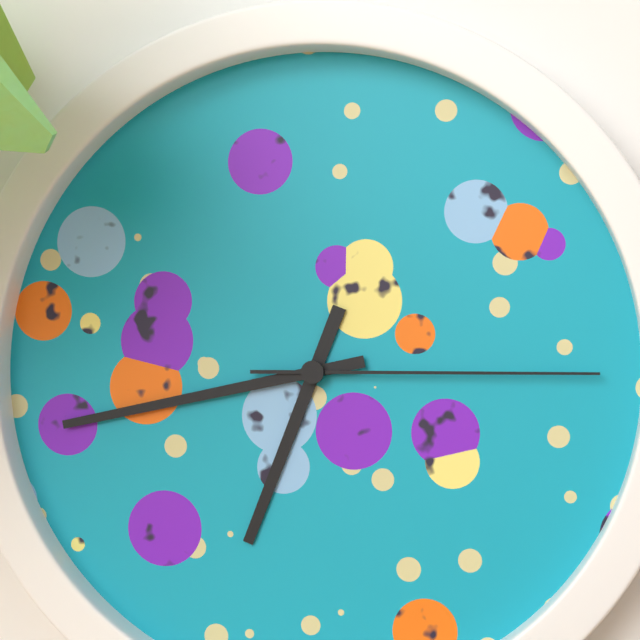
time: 6:43:15
